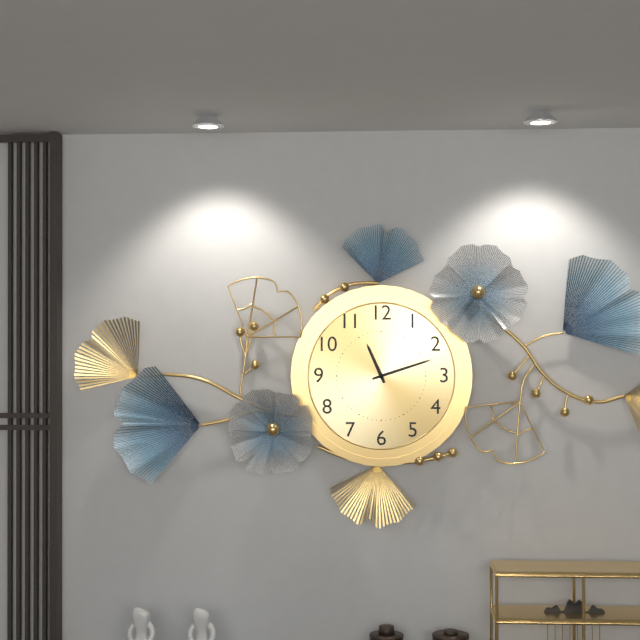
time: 11:12
